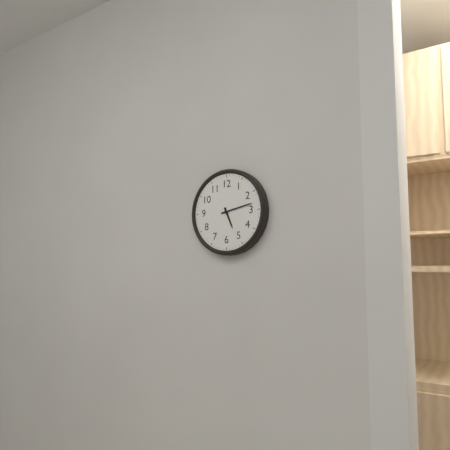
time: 5:13
